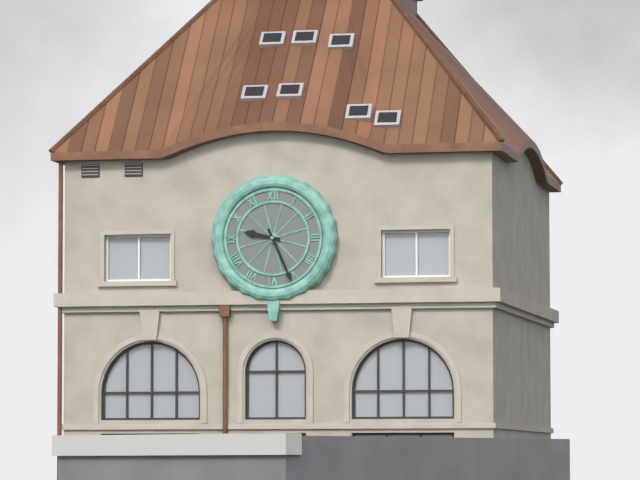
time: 9:26
